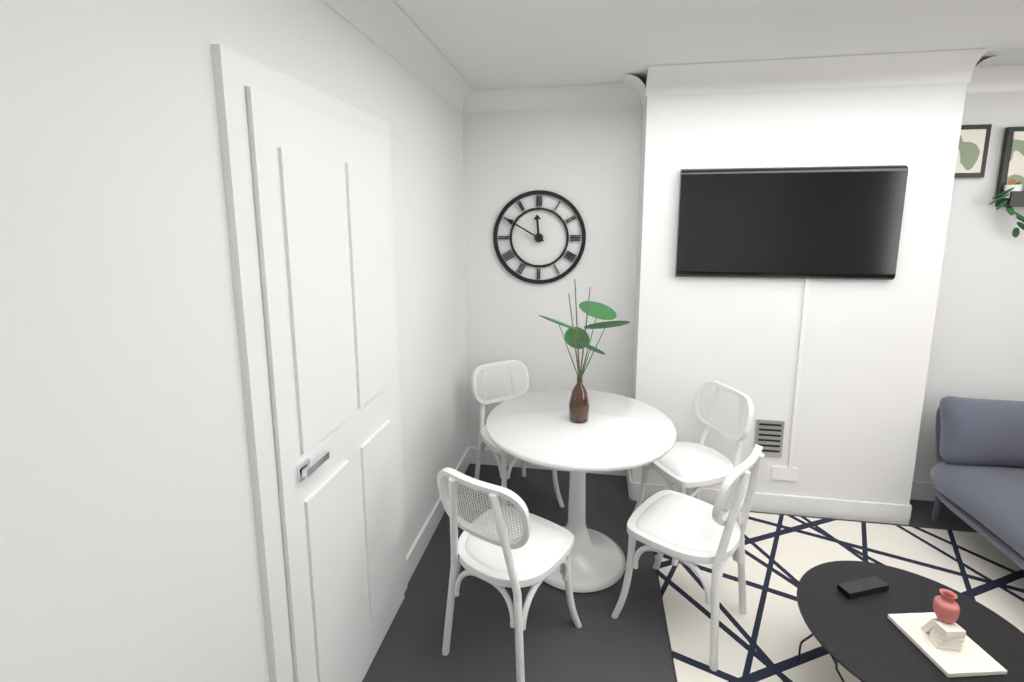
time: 11:50
